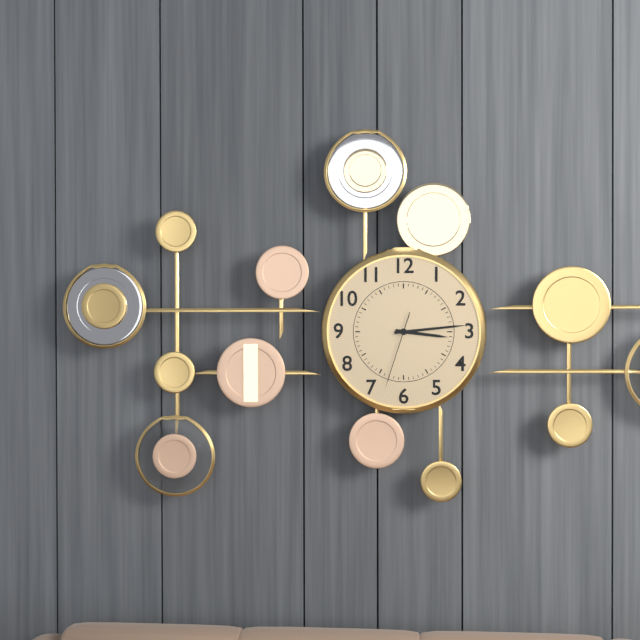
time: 3:14:33
